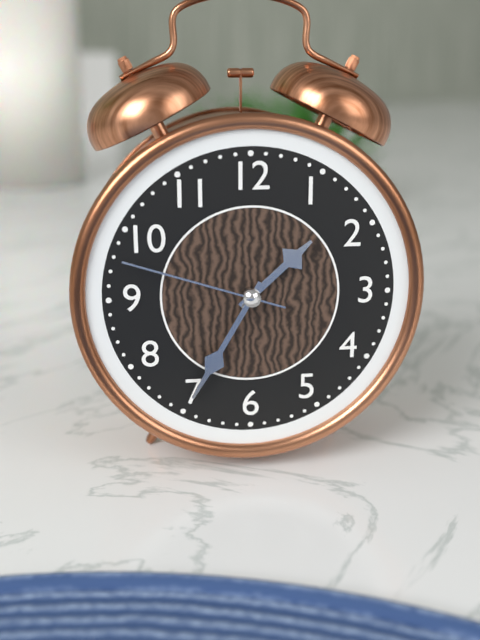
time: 1:35:48
